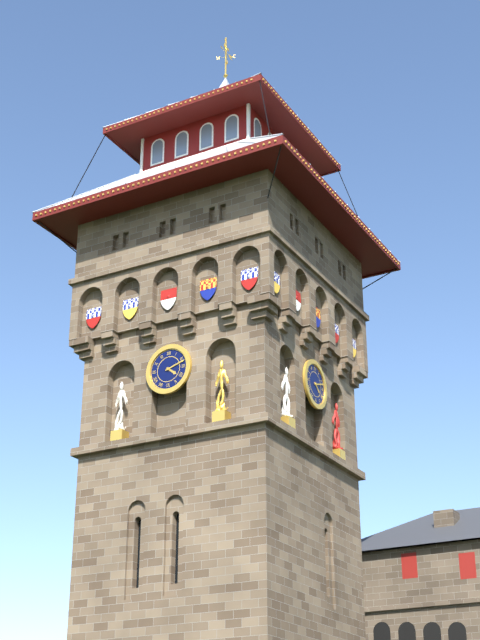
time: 4:12
